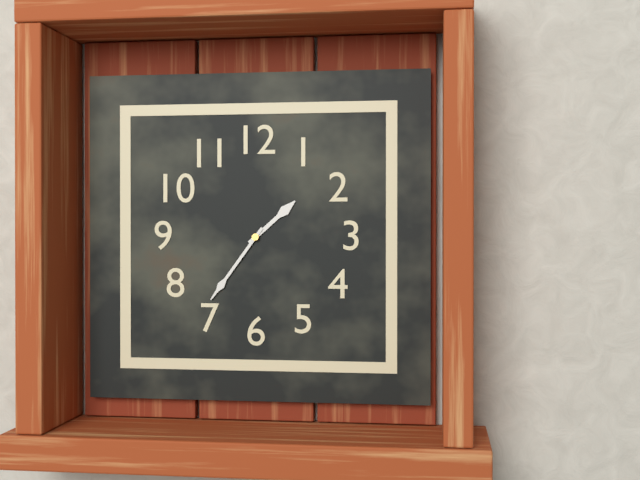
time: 1:36
